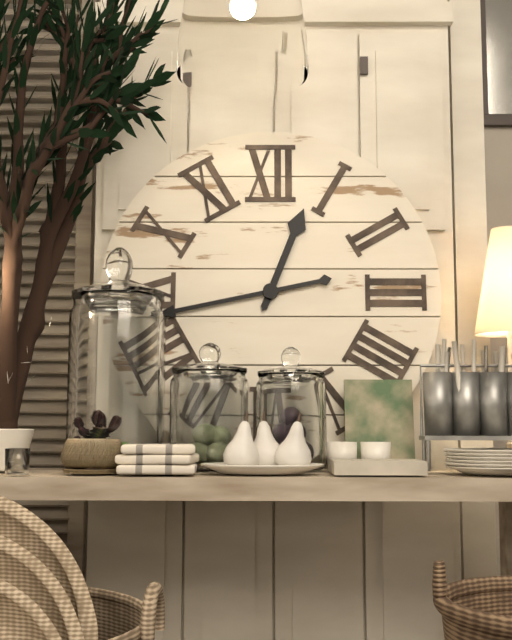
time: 12:43
